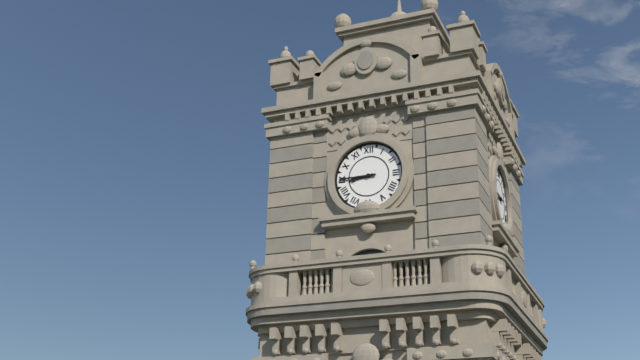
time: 8:45
